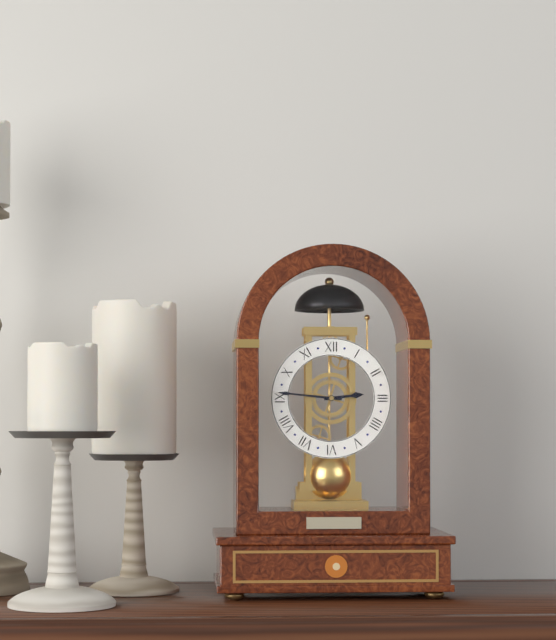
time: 2:46
